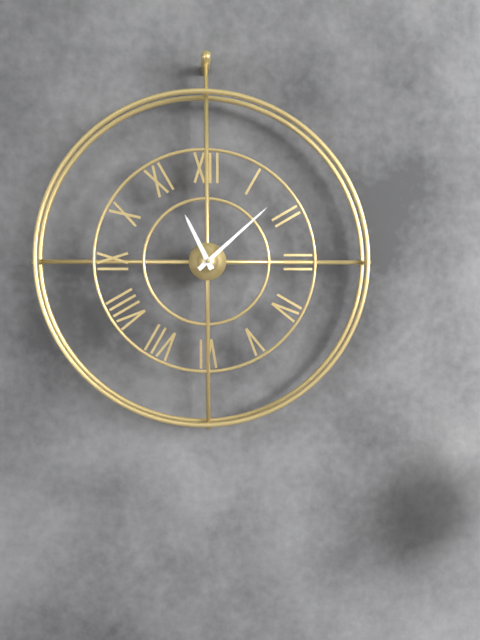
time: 11:08
